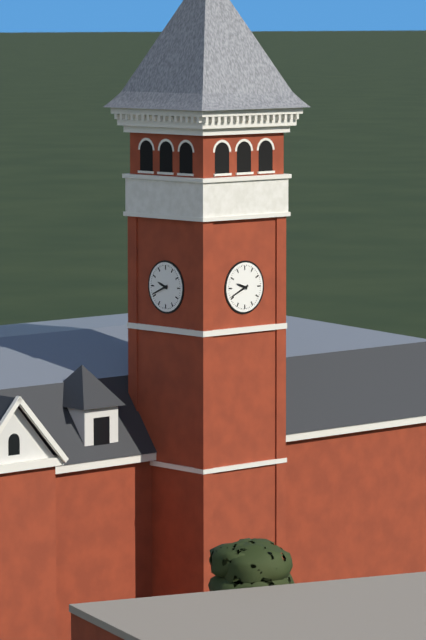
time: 9:41
